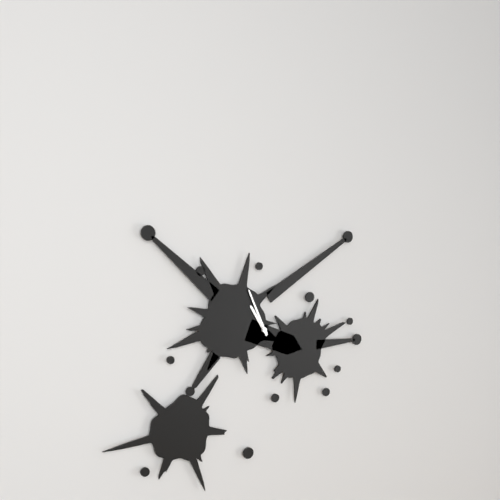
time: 10:56
